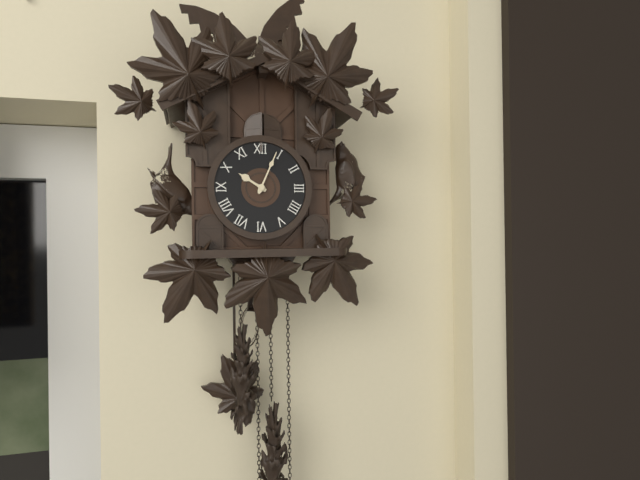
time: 10:04
